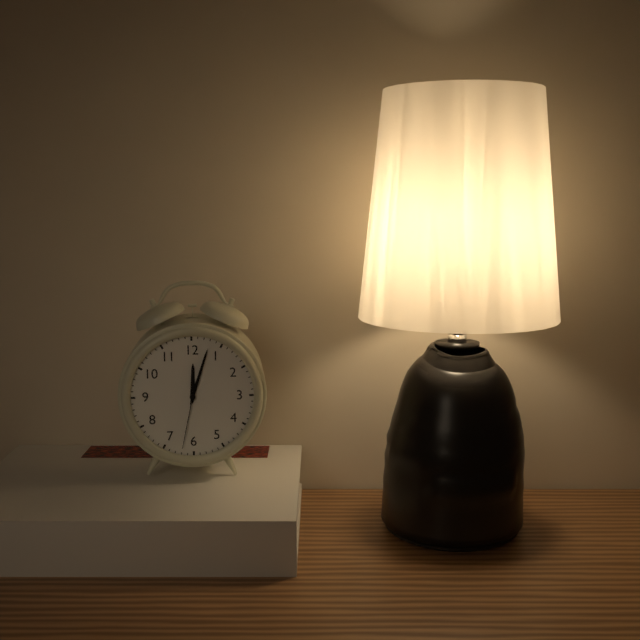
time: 12:03:32
